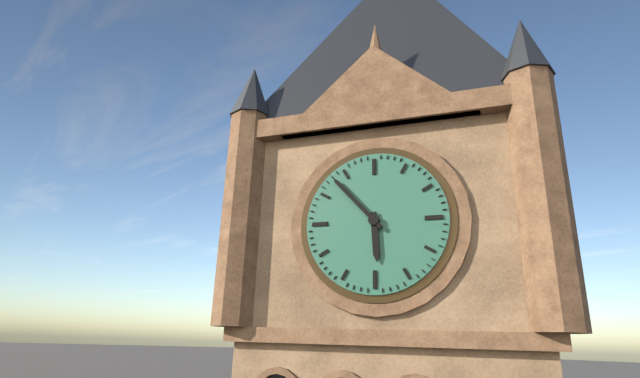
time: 5:53
